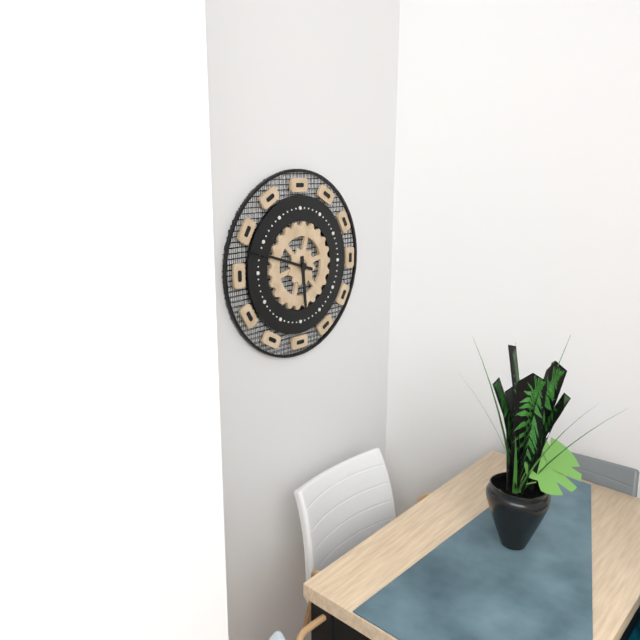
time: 5:48
